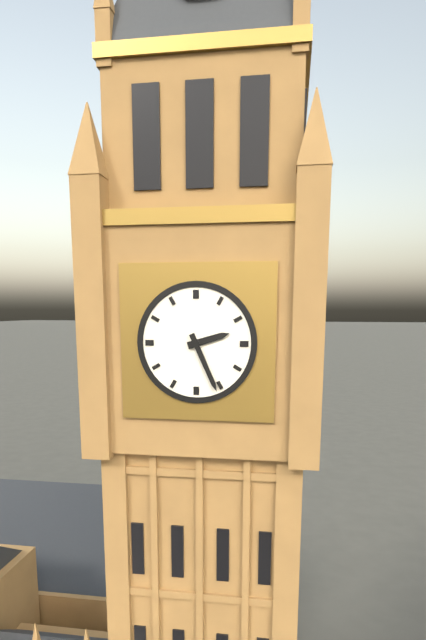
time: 2:26
